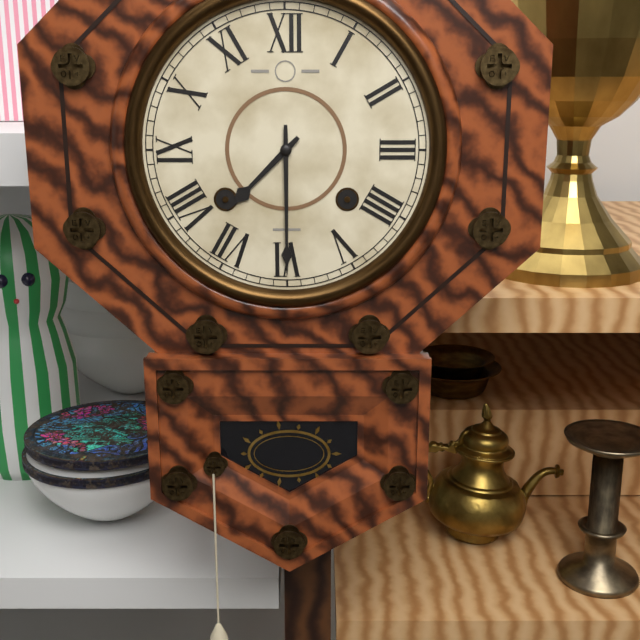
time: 7:30
